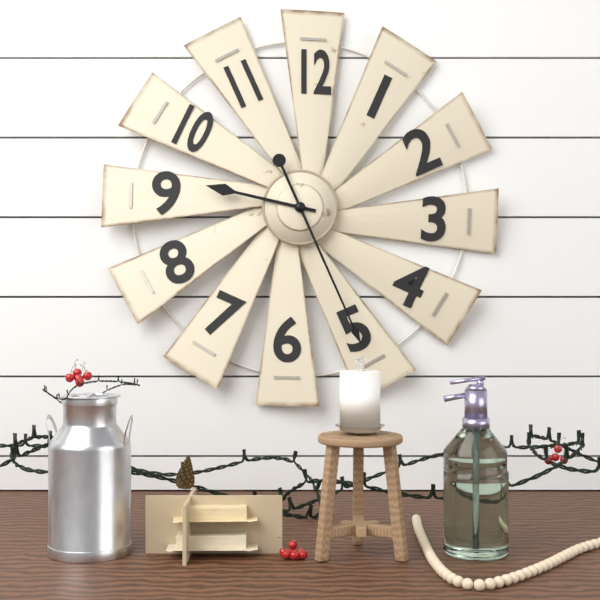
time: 9:26
